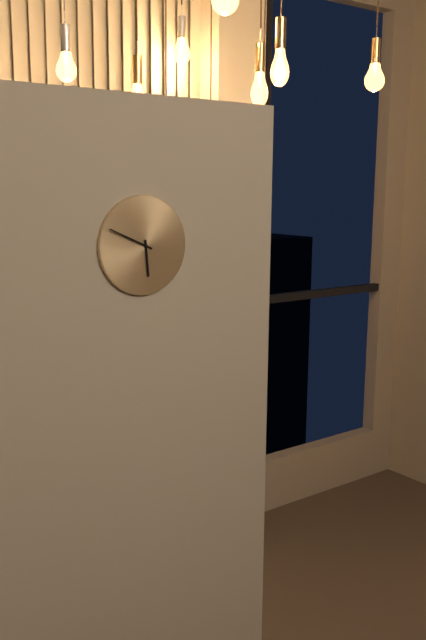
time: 5:49
